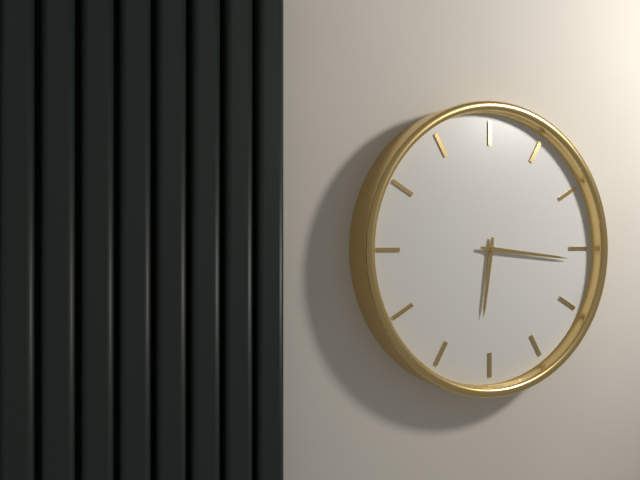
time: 6:16
